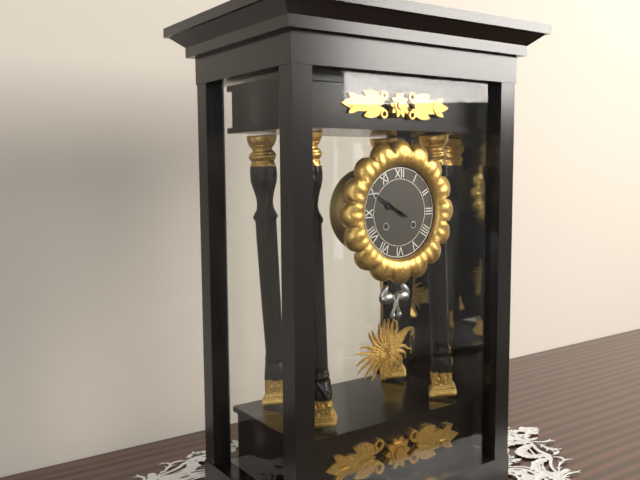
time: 9:50
